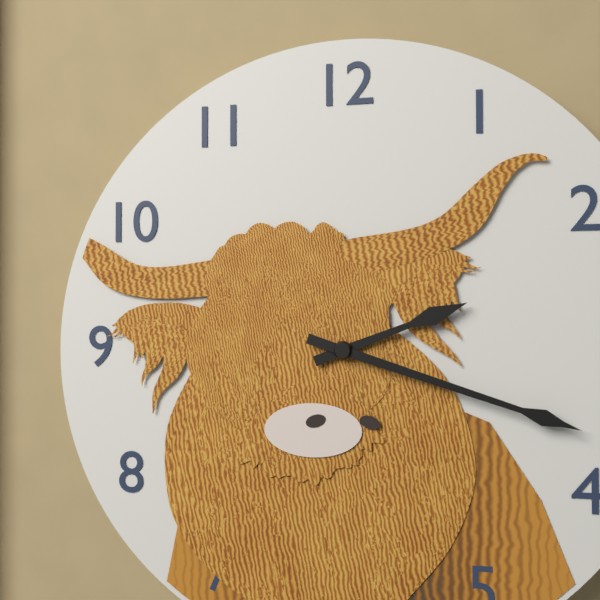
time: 2:18
